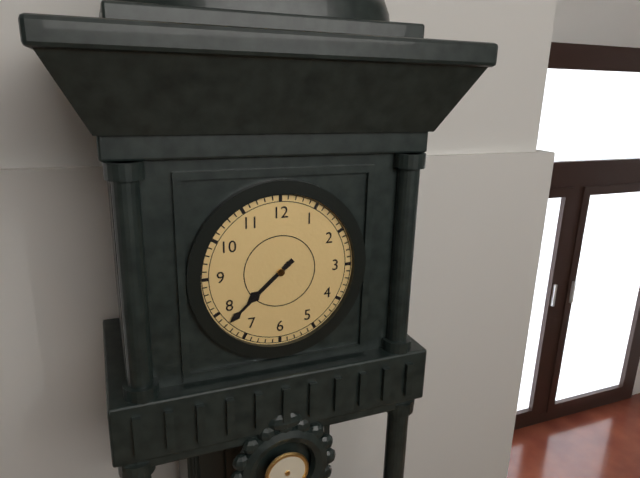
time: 7:38
